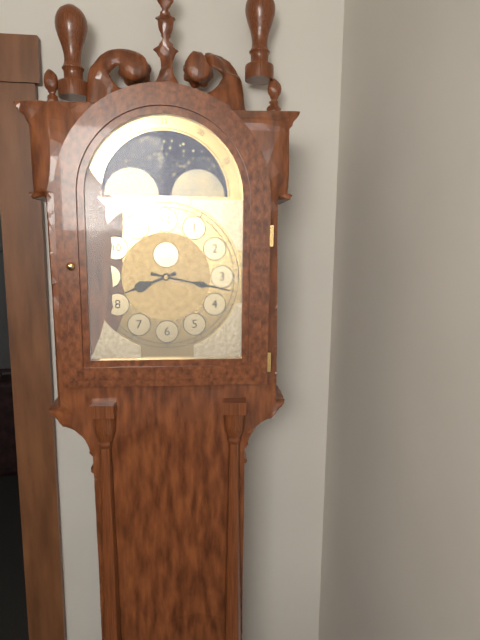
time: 8:17
